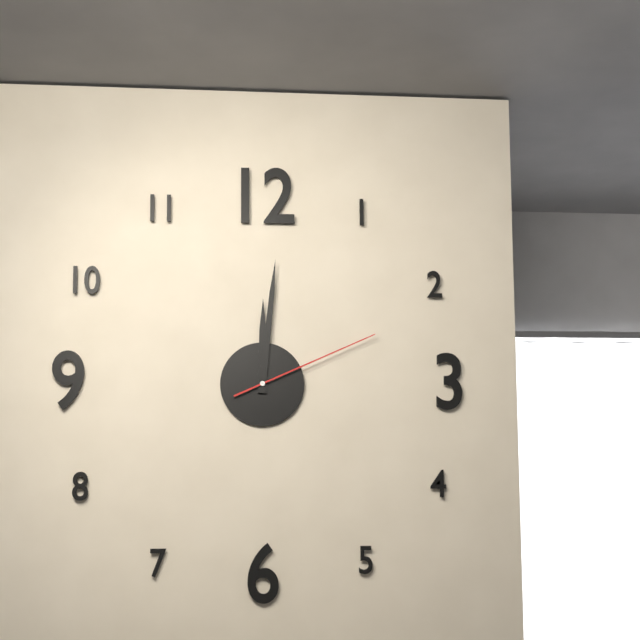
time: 12:01:11
